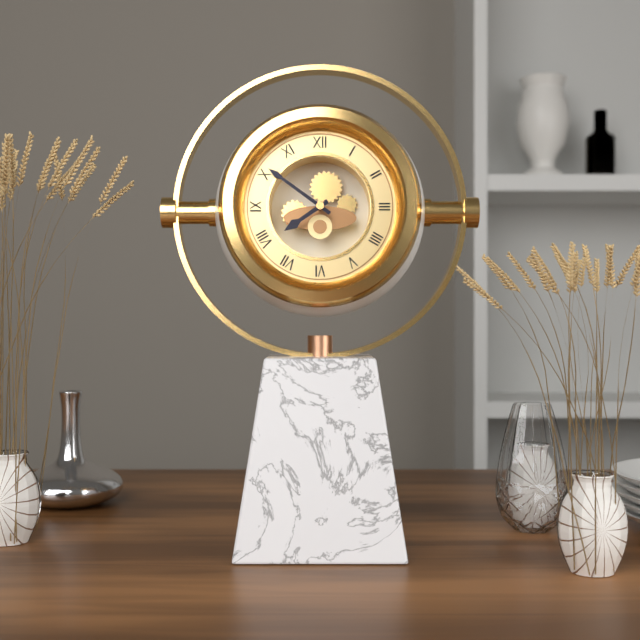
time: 7:51
